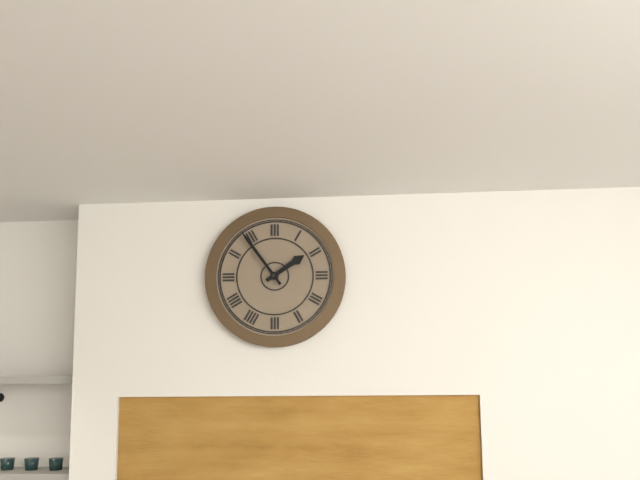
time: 1:54
